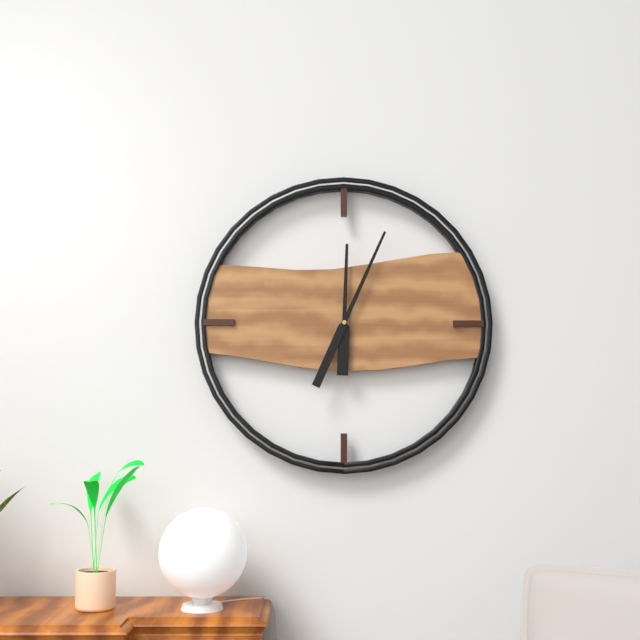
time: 12:04
